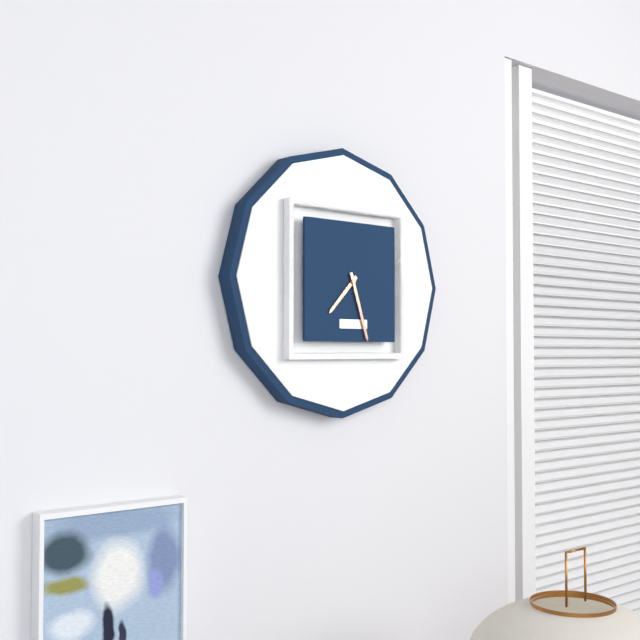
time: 7:27
